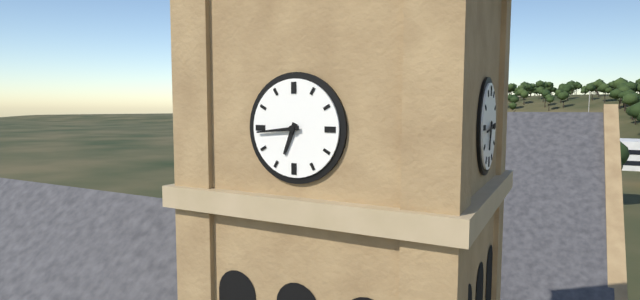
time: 6:44
